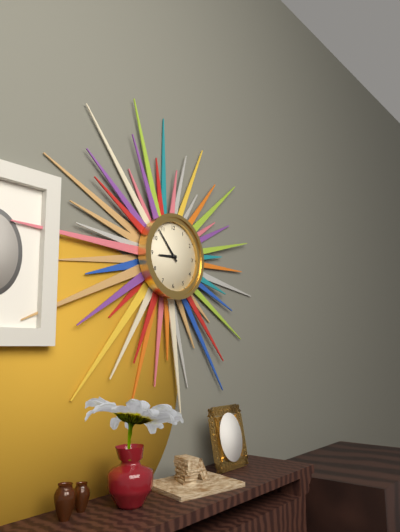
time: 8:53
